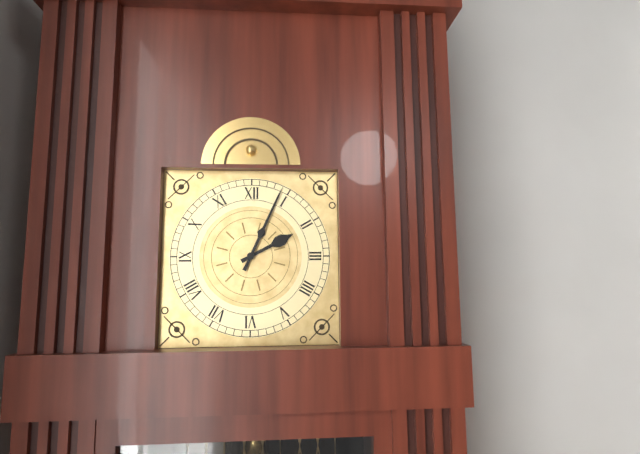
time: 2:04
